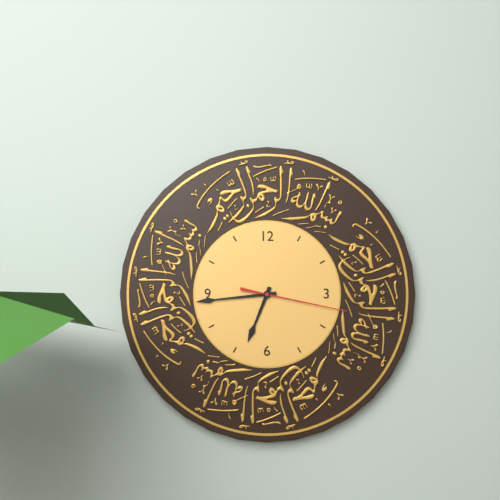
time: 6:44:17
